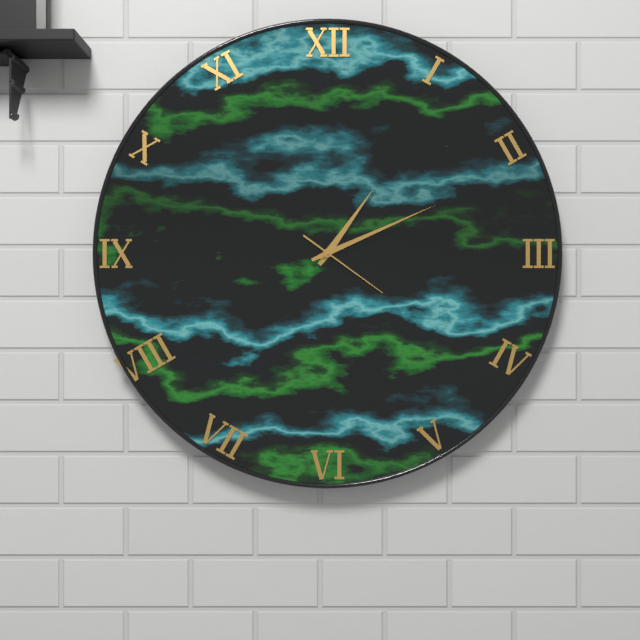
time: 1:11:21
